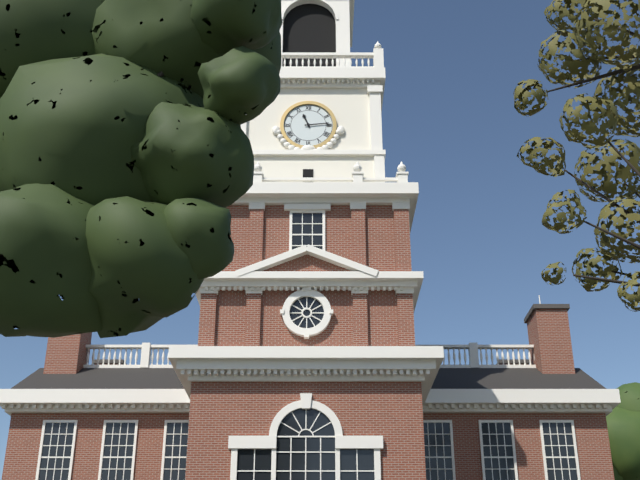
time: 11:14
